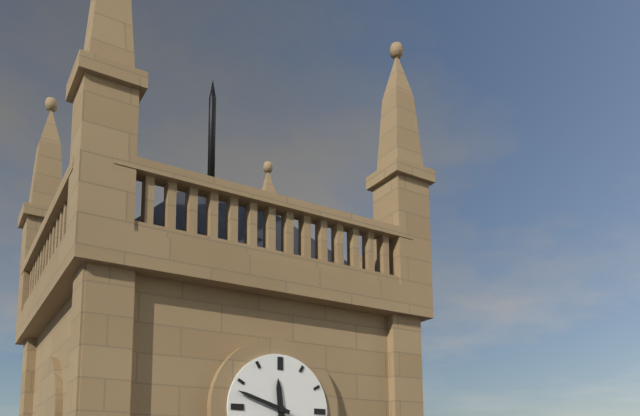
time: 11:48
